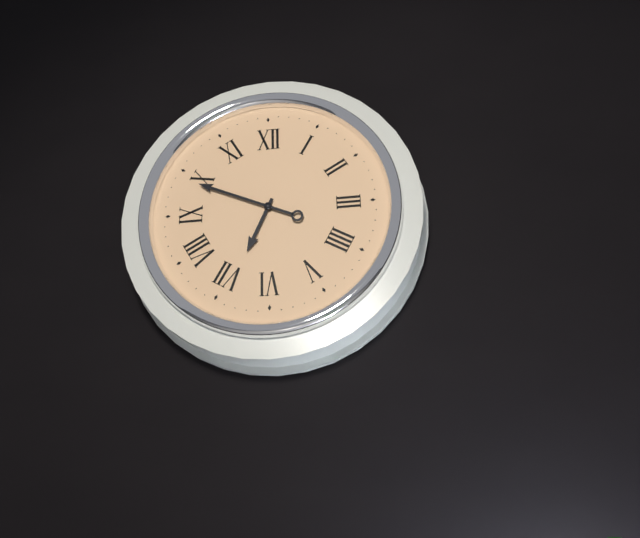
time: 6:49
